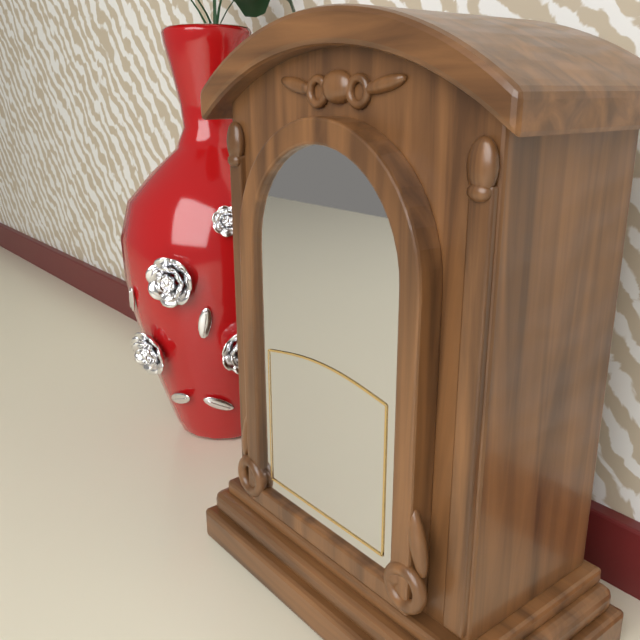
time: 7:30
